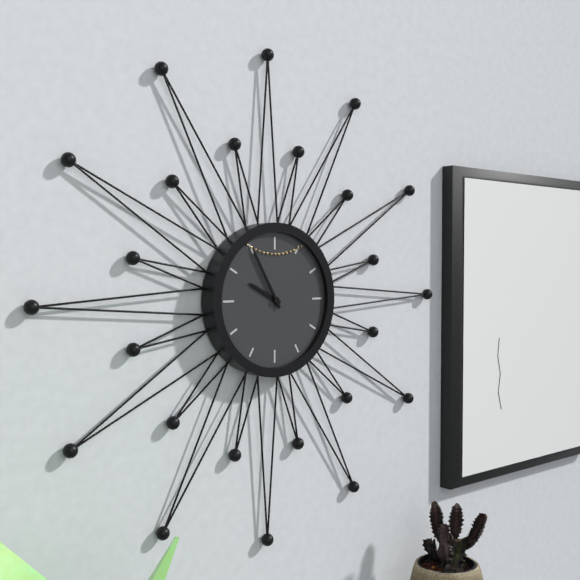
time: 9:55
